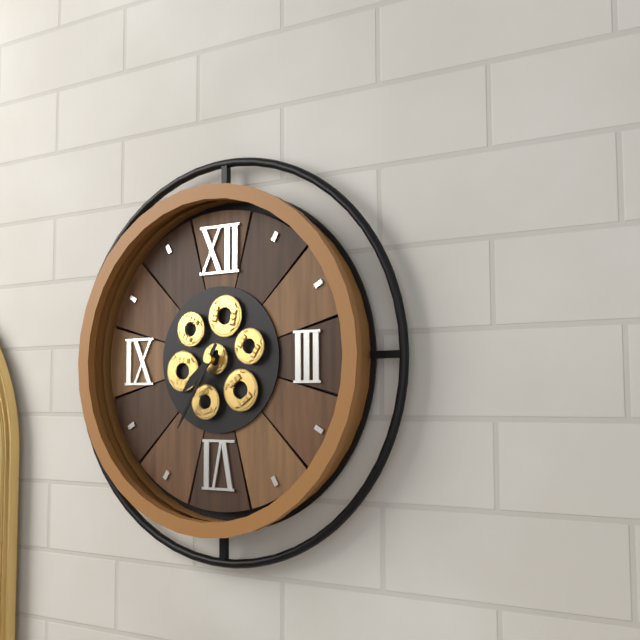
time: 7:35
